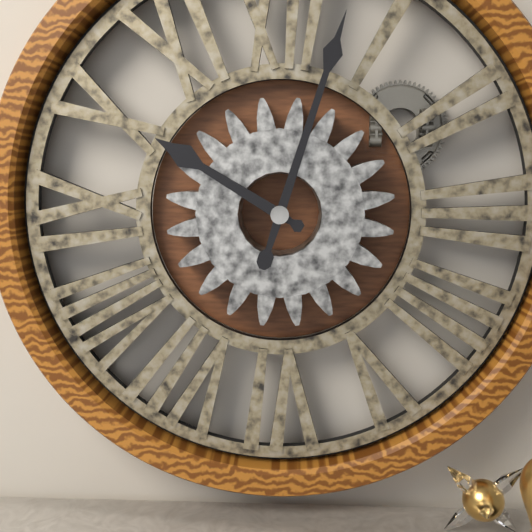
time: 10:03
